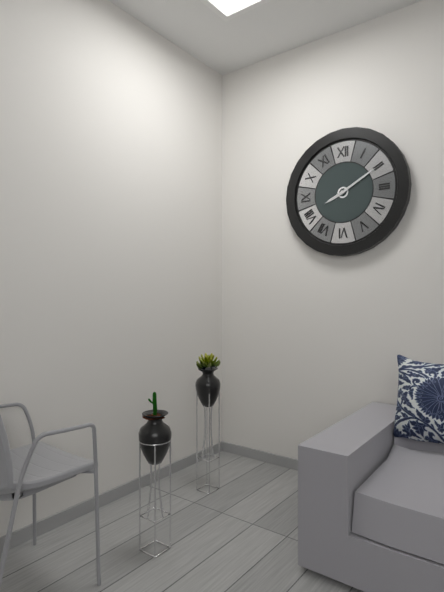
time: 8:10
